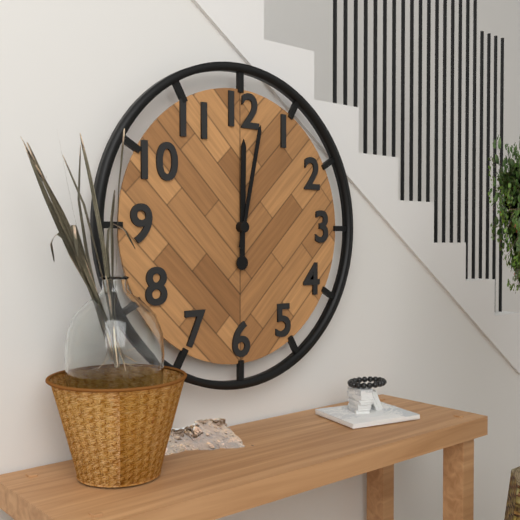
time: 12:02
